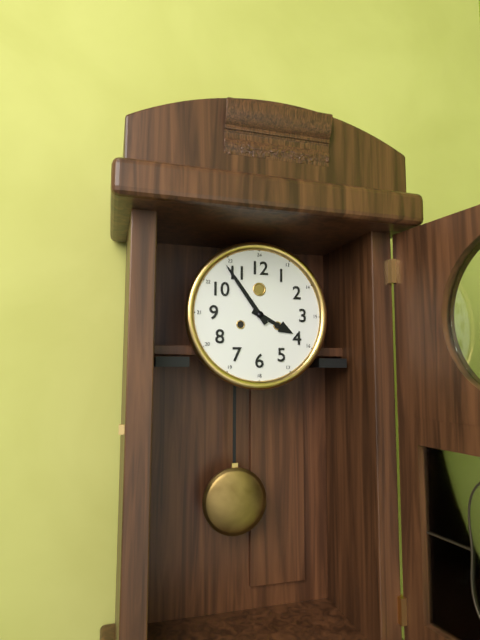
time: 3:54
